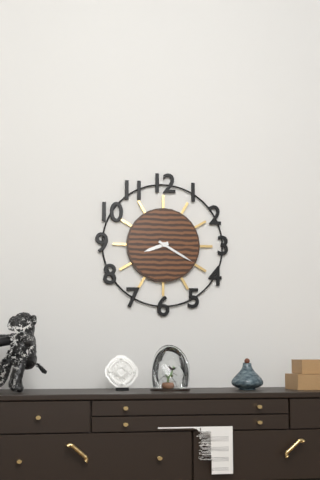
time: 8:20
